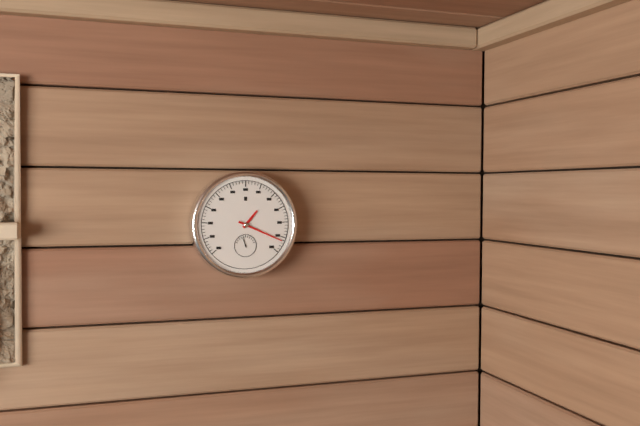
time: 1:19
